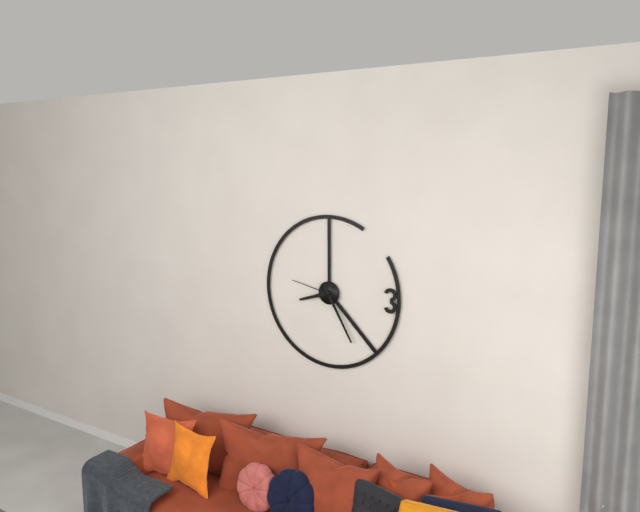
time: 8:25:47
